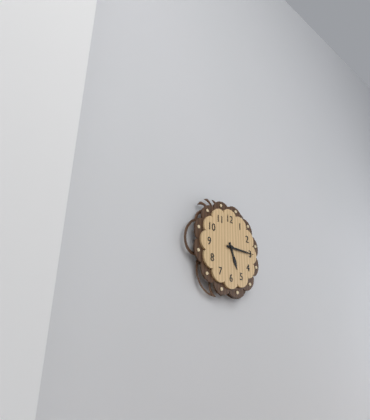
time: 5:15
